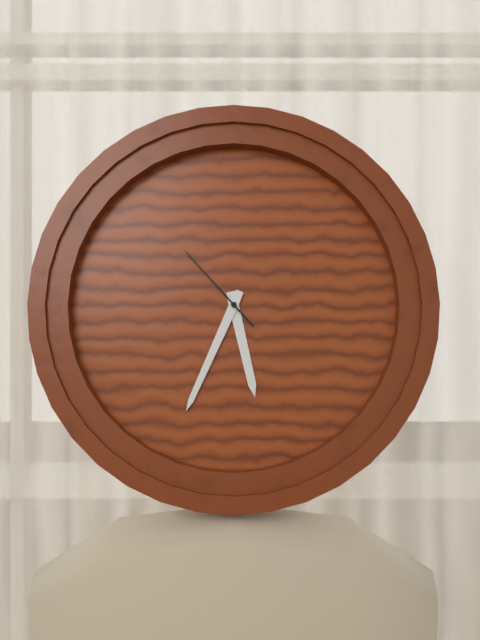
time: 5:34:53
